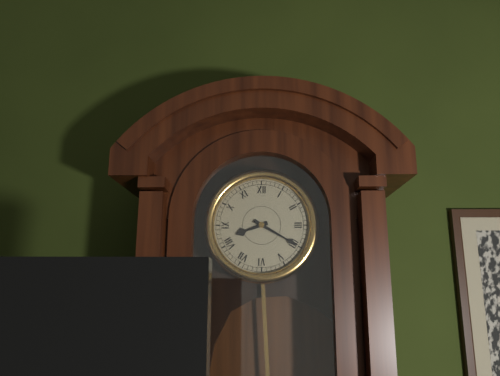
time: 8:20
